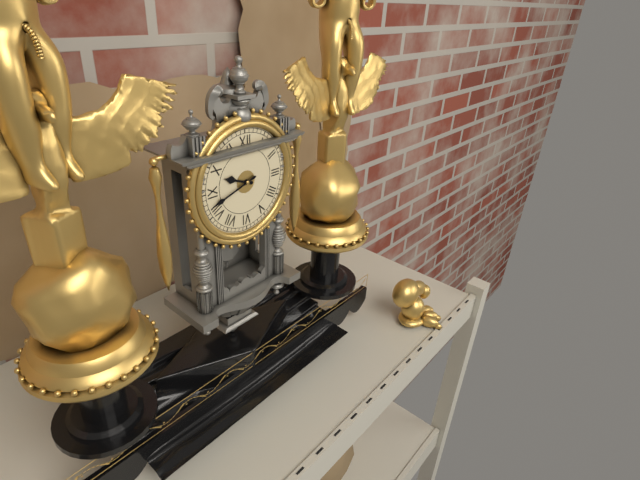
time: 9:42
